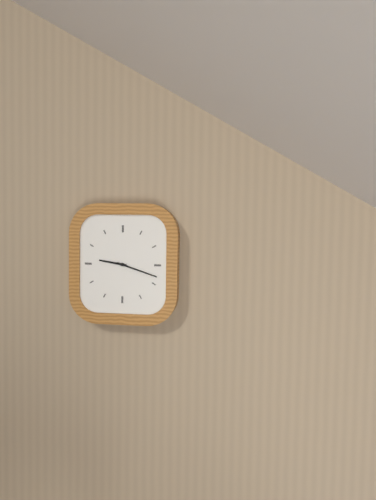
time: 9:18
